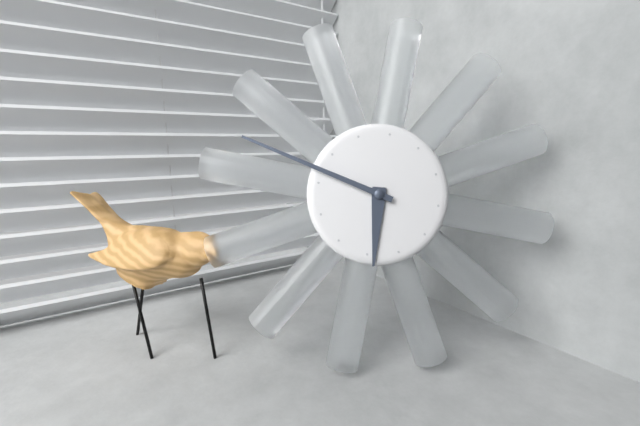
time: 5:47
